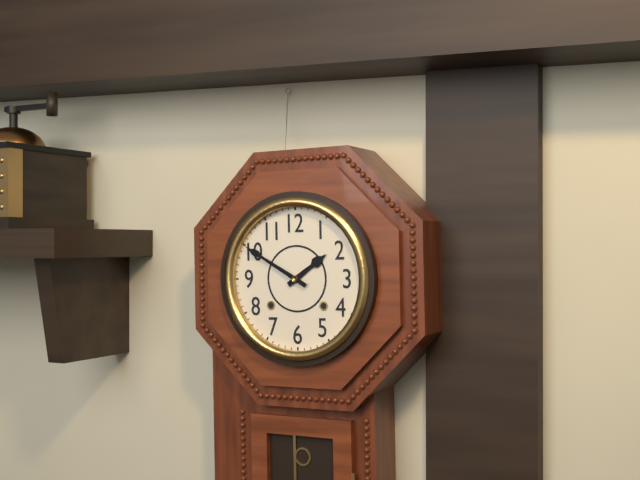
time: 1:50
